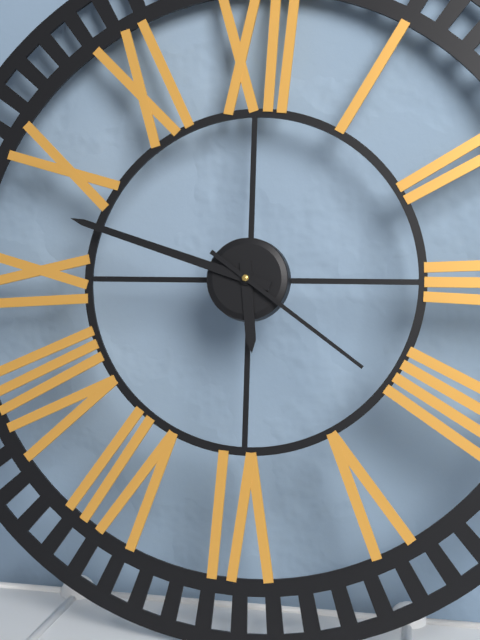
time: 5:48:21
